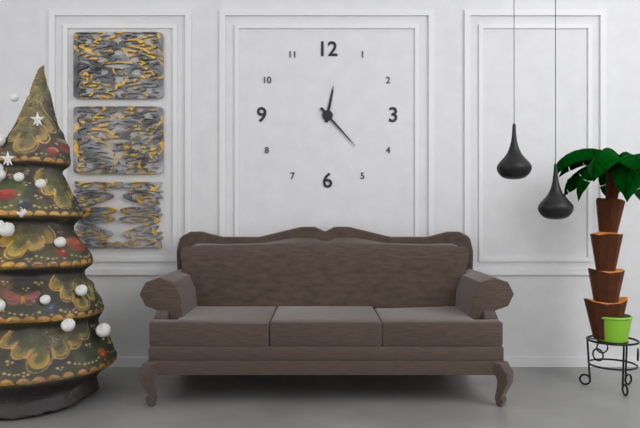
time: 12:23
